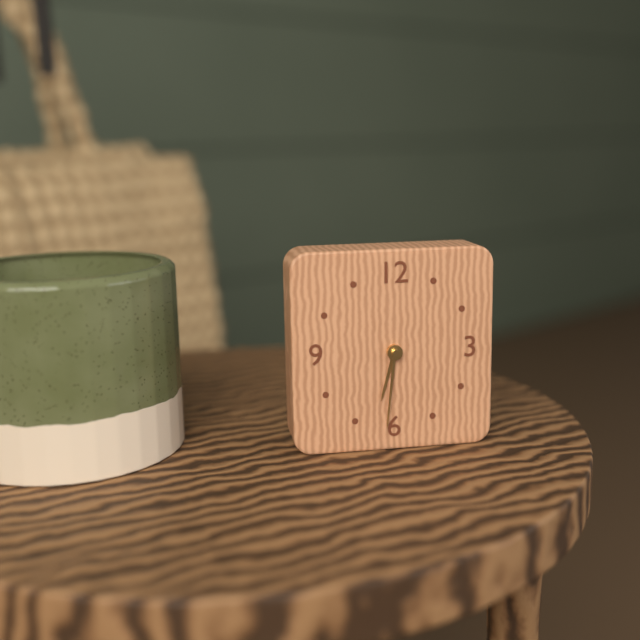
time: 6:31
